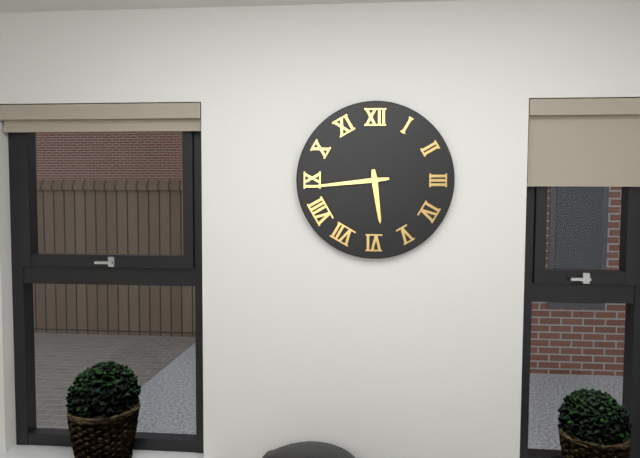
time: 5:44
